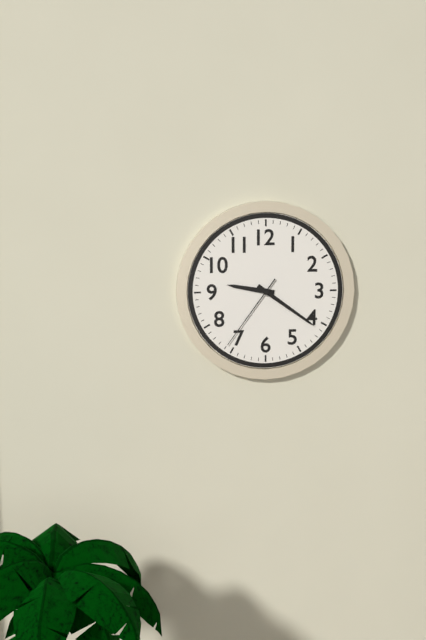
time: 9:21:36
